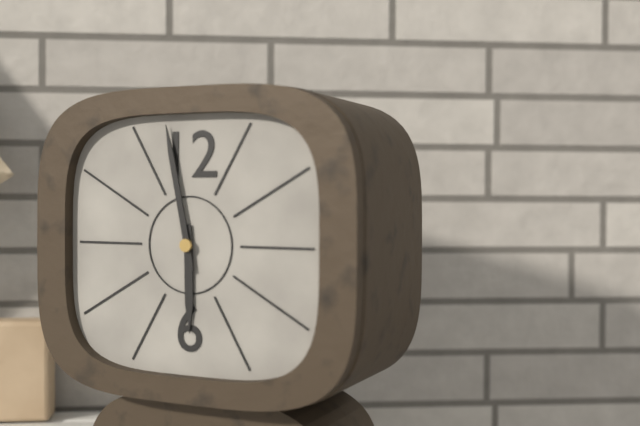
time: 5:58
